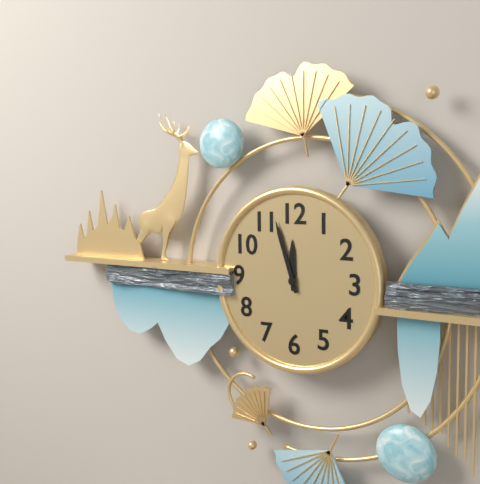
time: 11:57
